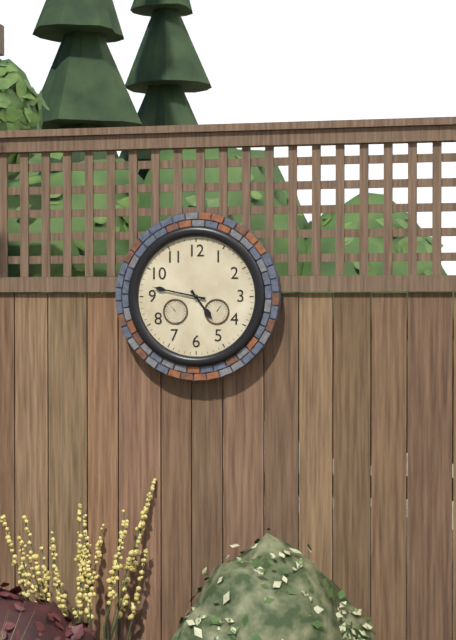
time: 4:47
